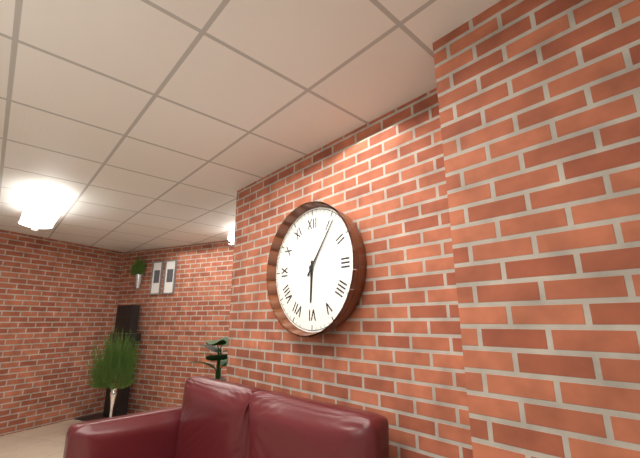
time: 6:06
